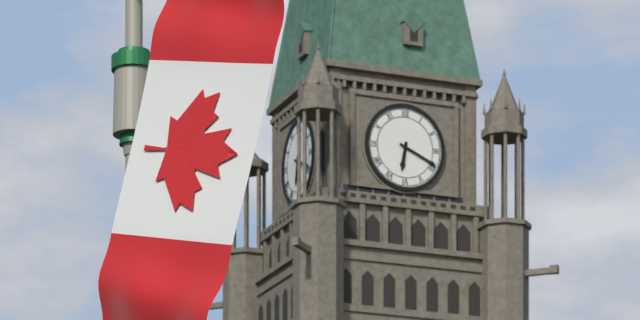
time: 6:19
